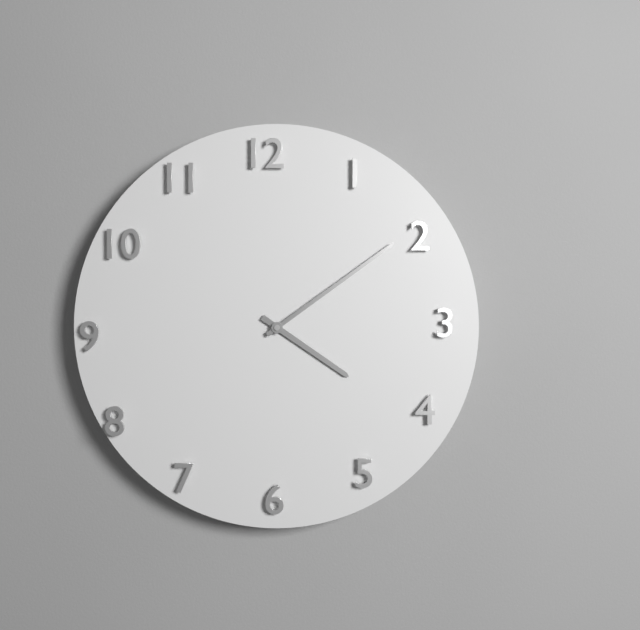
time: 4:09
